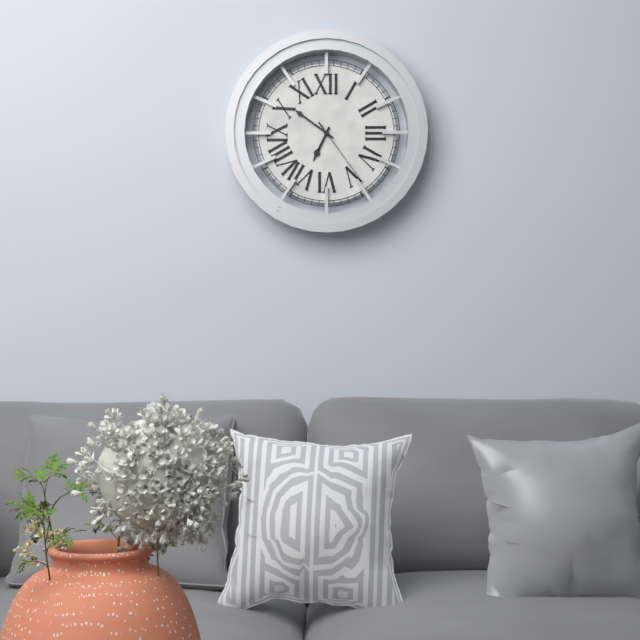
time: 6:51:24
